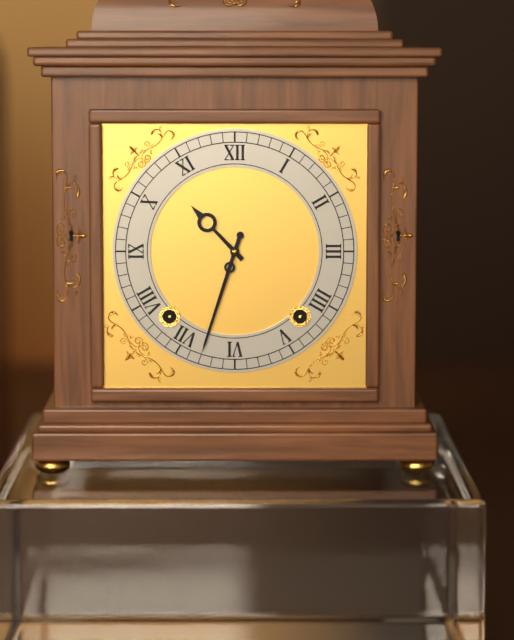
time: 10:33
